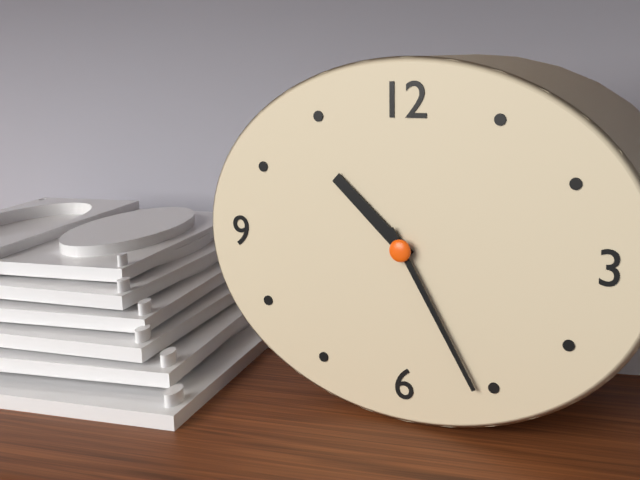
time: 10:25
